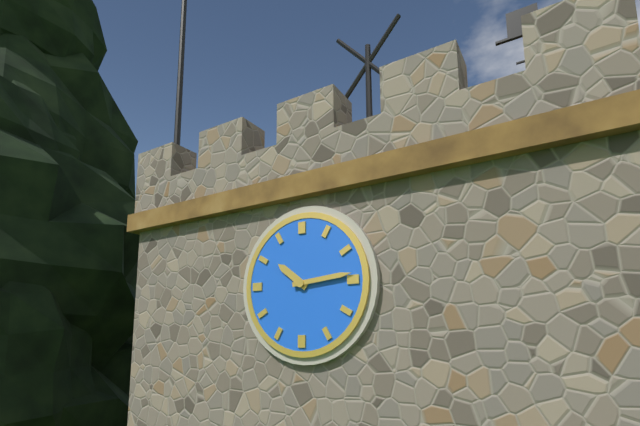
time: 10:14
